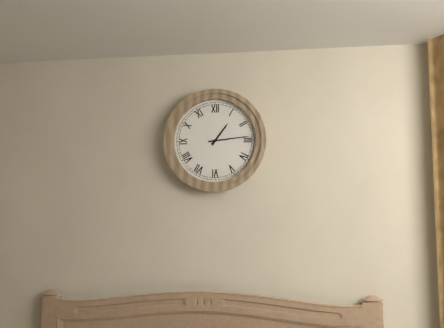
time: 1:14
